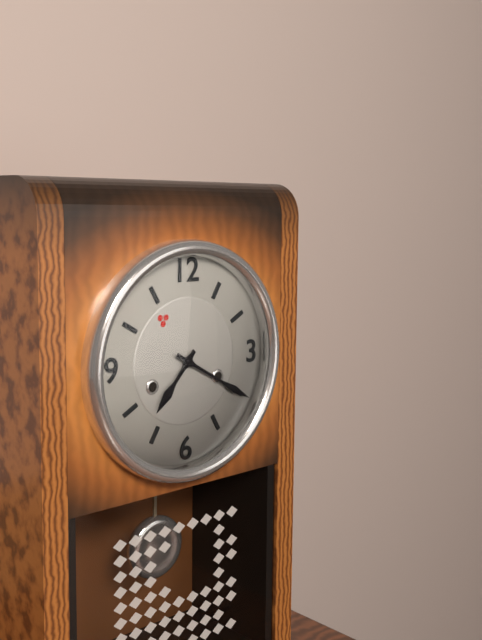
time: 7:20
